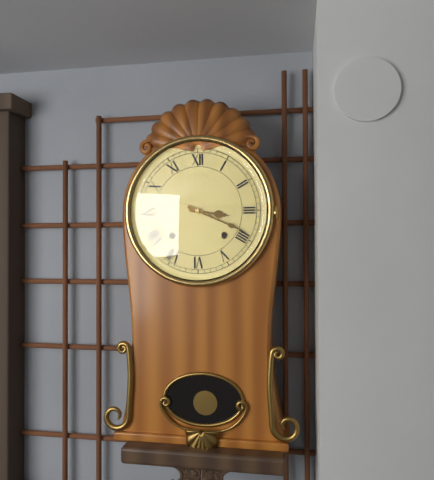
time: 3:19
